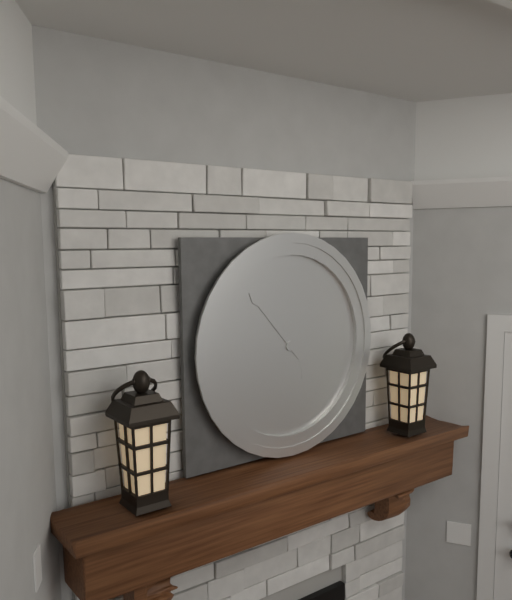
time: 4:53
